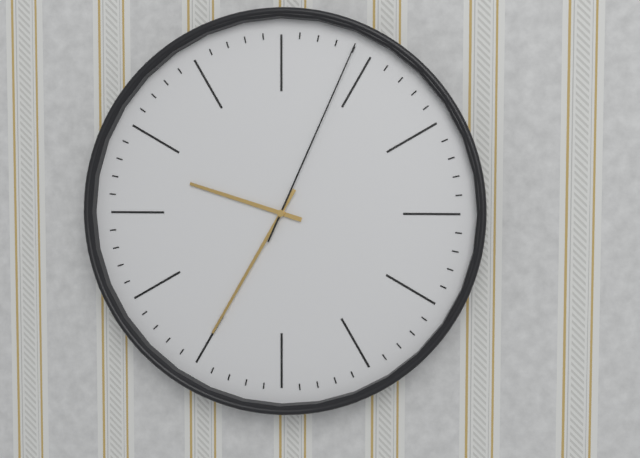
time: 9:35:04
